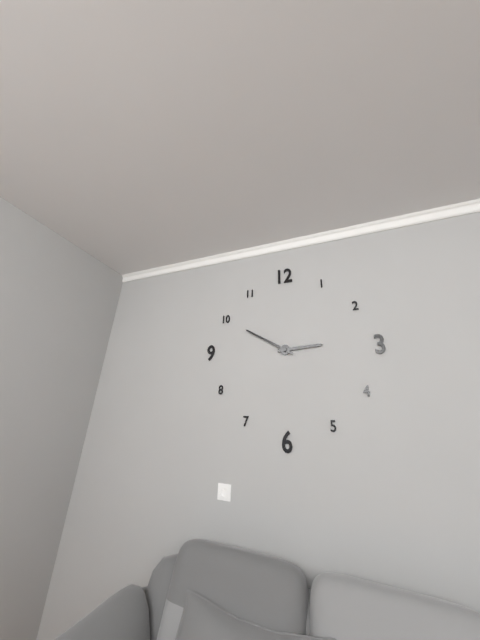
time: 2:50
